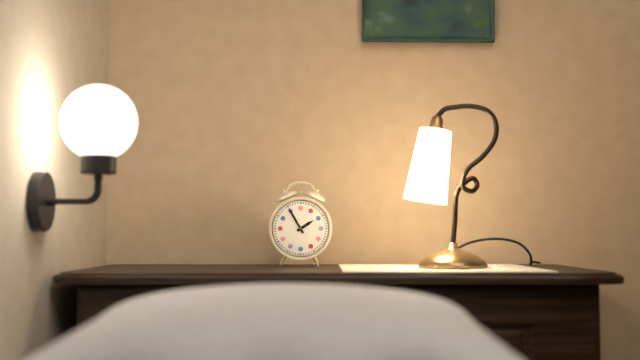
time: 1:55
